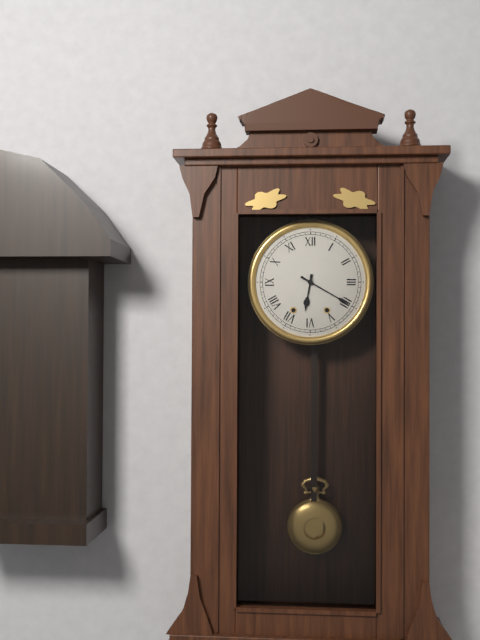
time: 6:20
